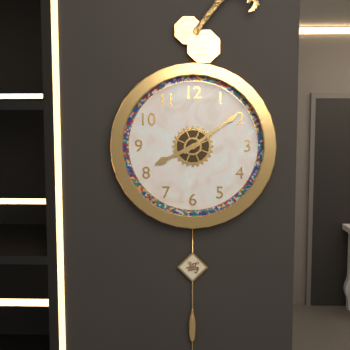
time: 8:09
